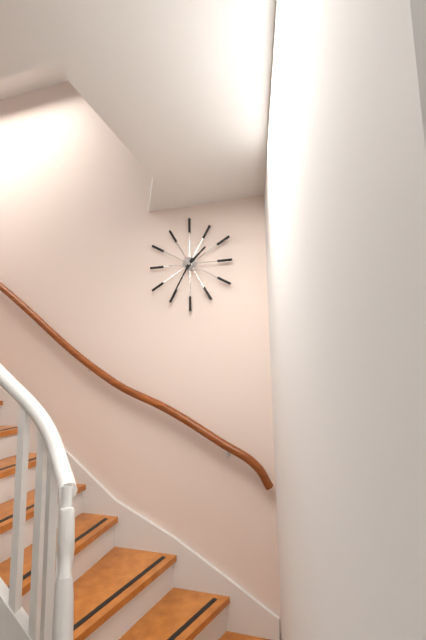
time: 1:35
